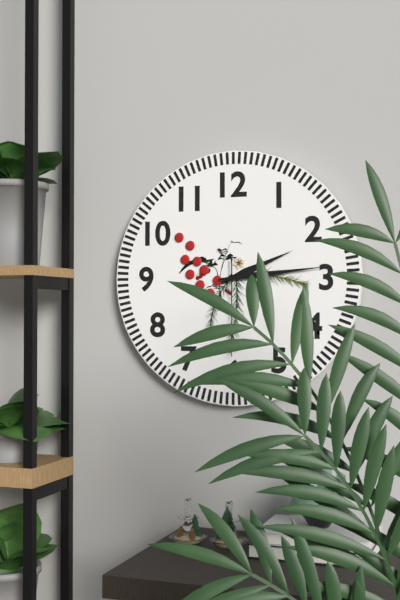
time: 2:14:30
